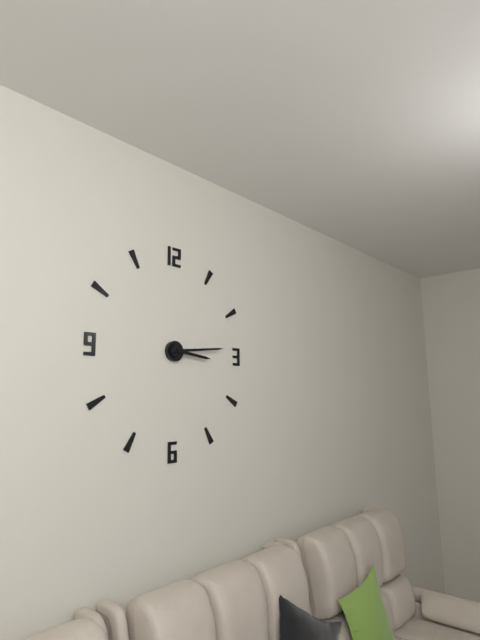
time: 3:14
